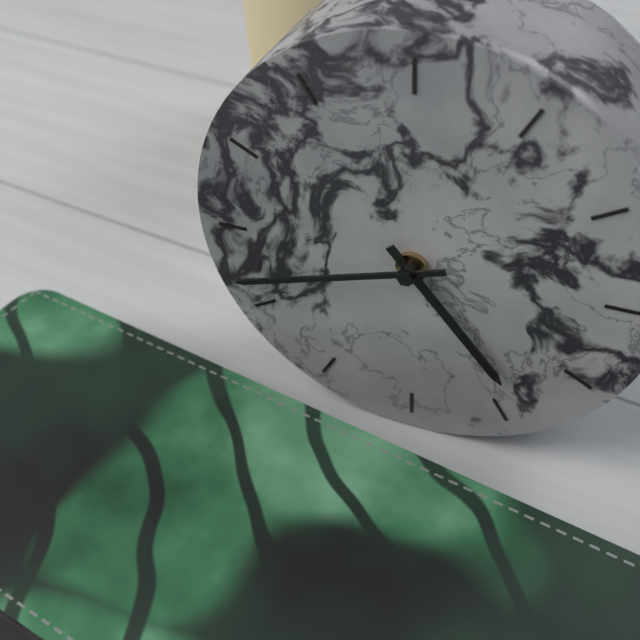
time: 4:42
